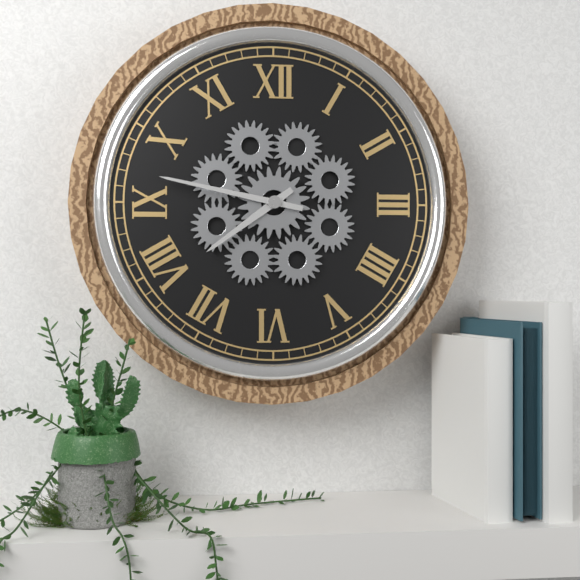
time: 7:47
